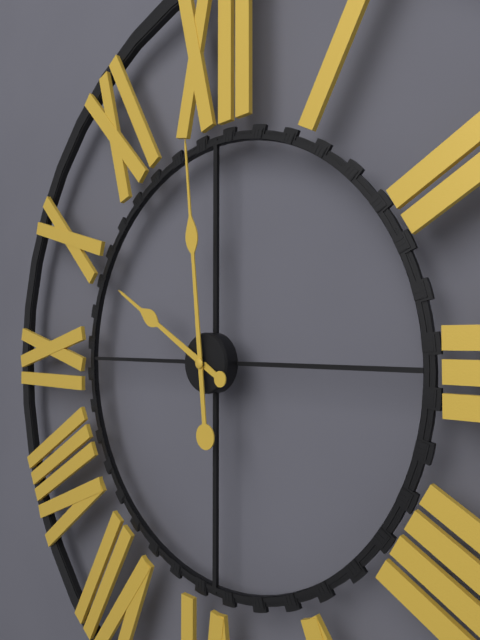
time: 9:59
